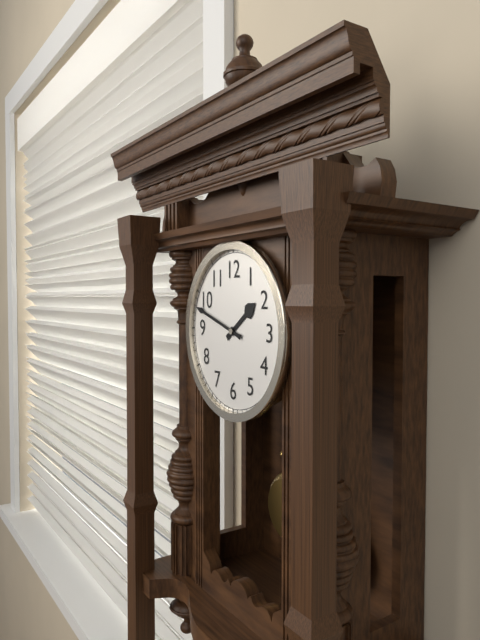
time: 1:48
